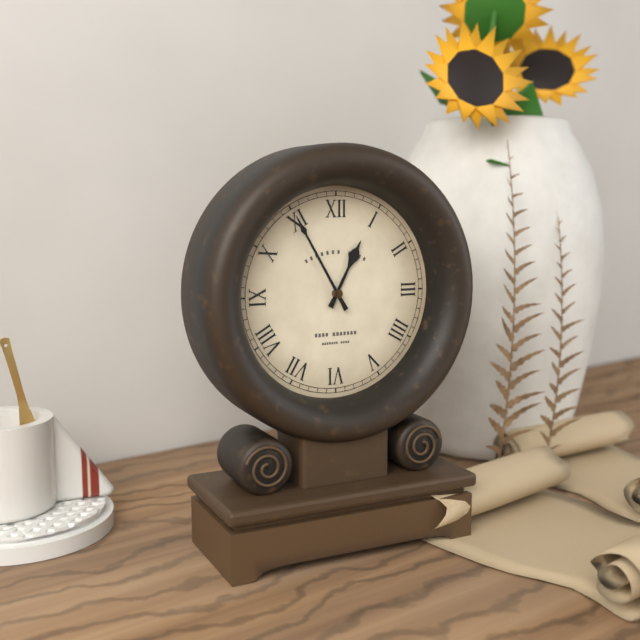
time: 12:55
